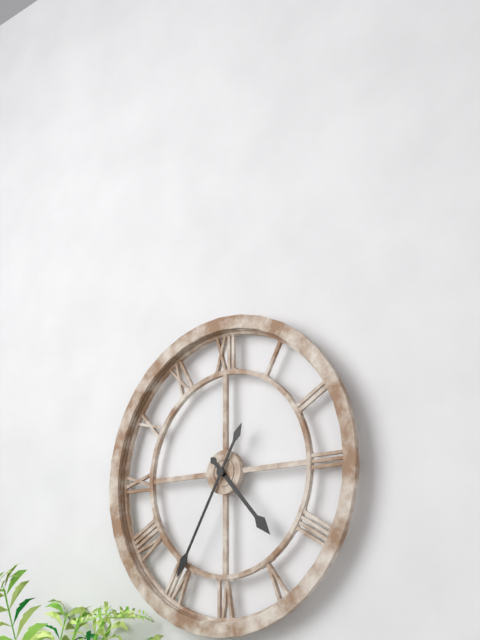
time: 4:35
